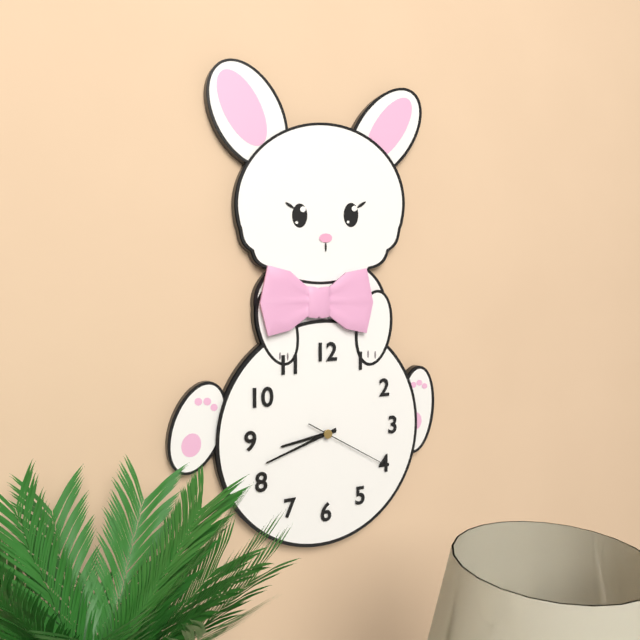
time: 8:42:20
